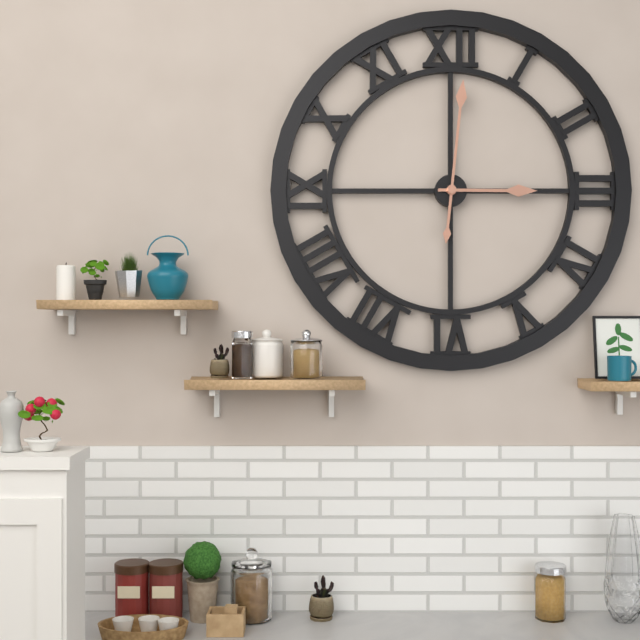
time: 3:01
